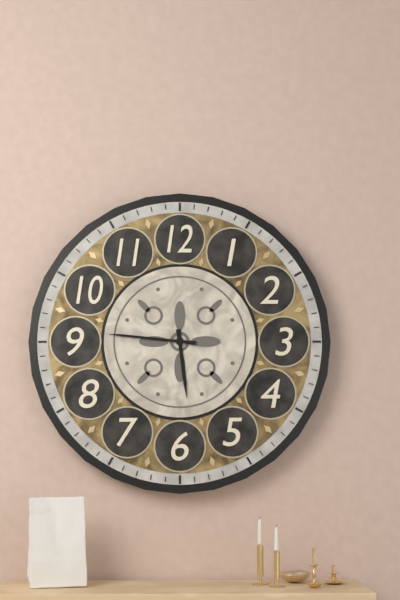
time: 5:46
